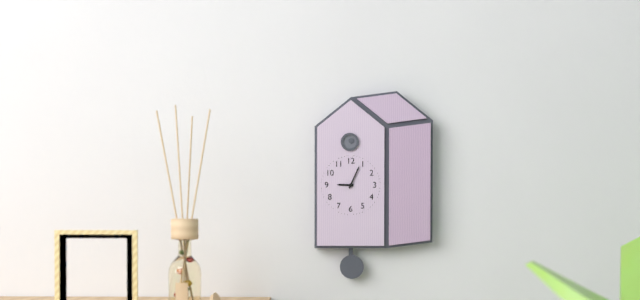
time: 9:04
